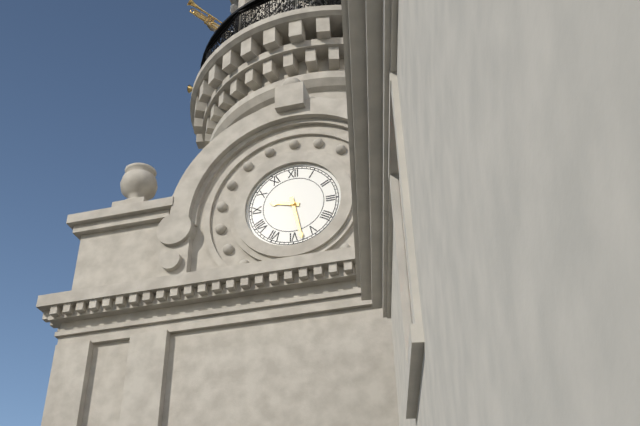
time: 9:28
